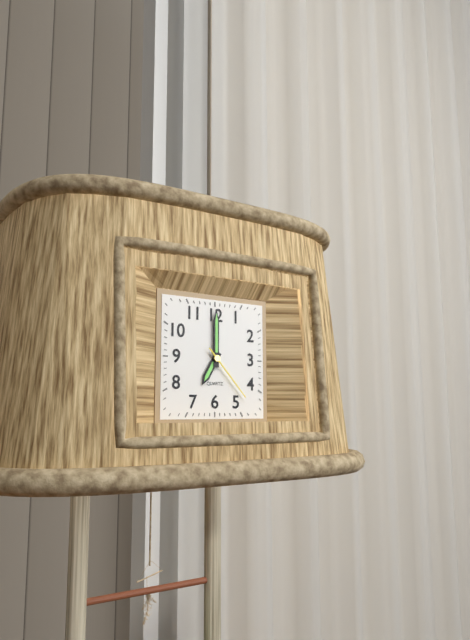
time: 7:00:23
